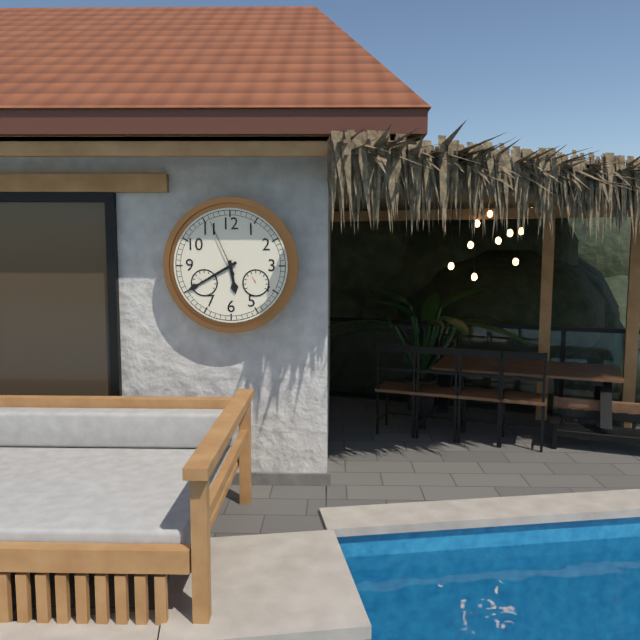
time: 5:40:56
